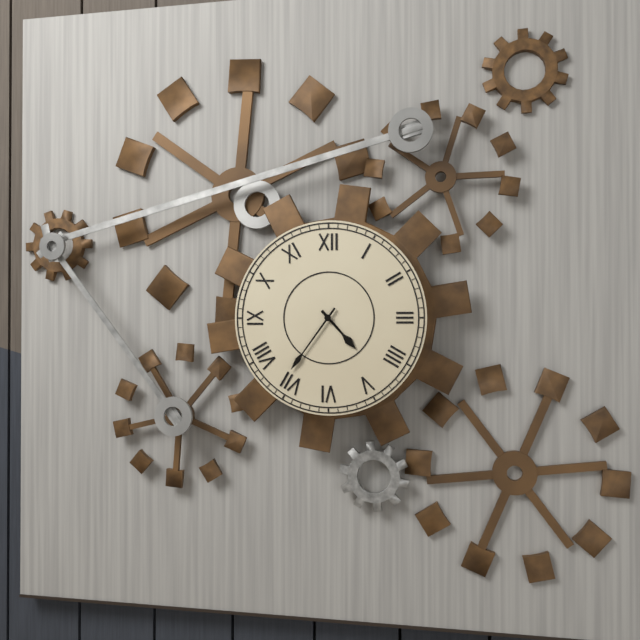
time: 4:36
